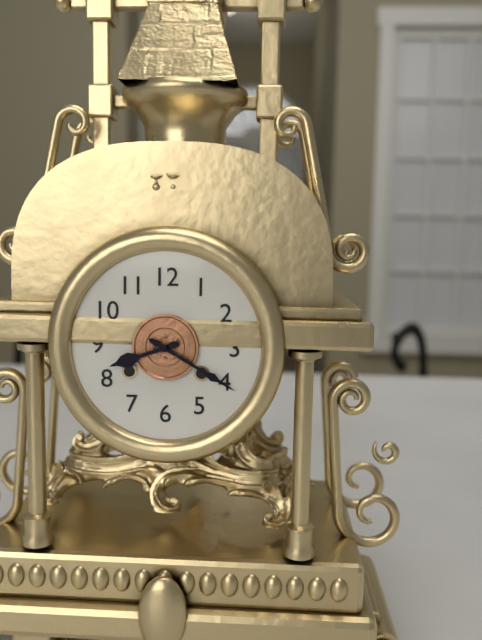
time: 8:20
